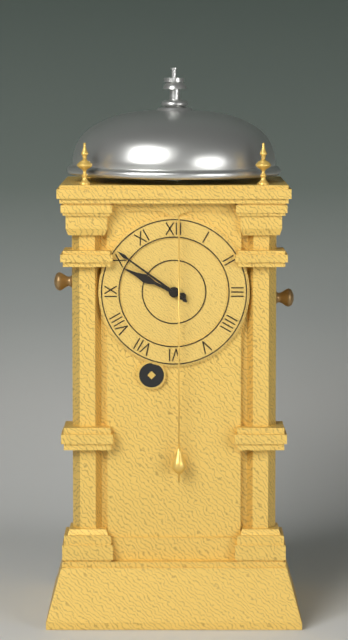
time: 9:51
